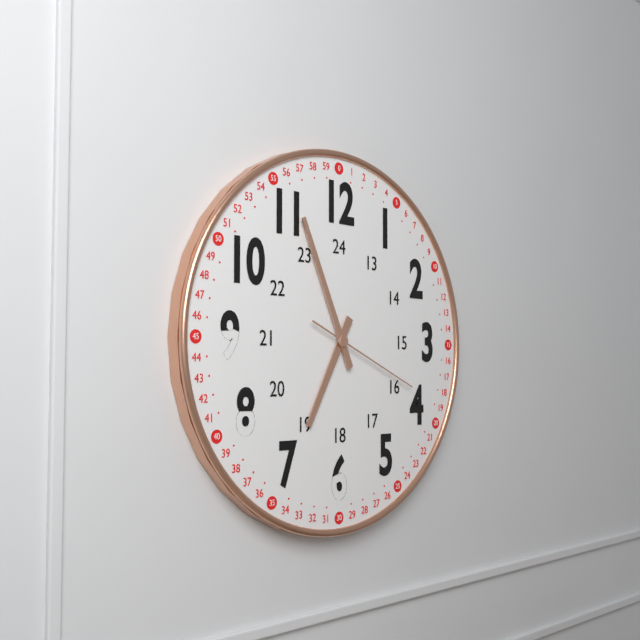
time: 6:56:19
